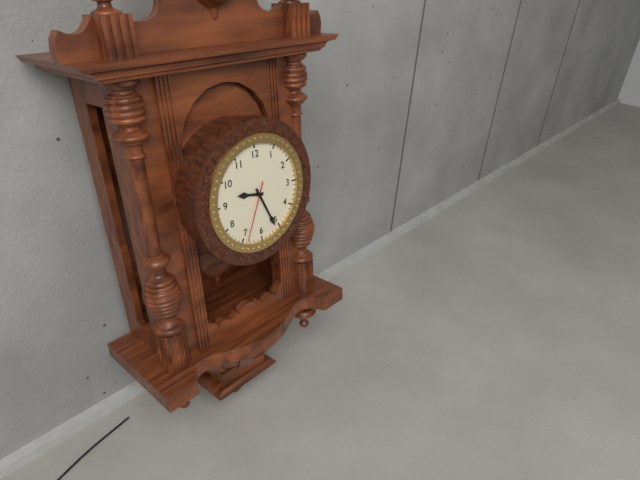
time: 9:26:34
